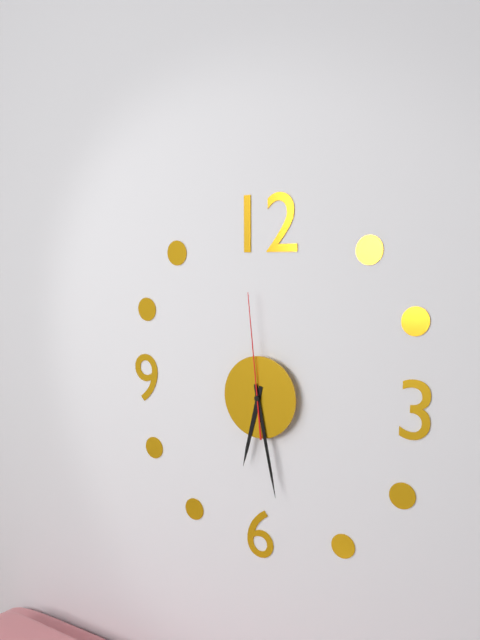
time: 6:28:59
